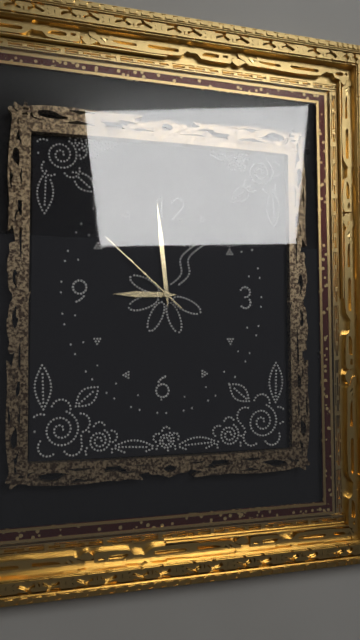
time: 8:59:52
